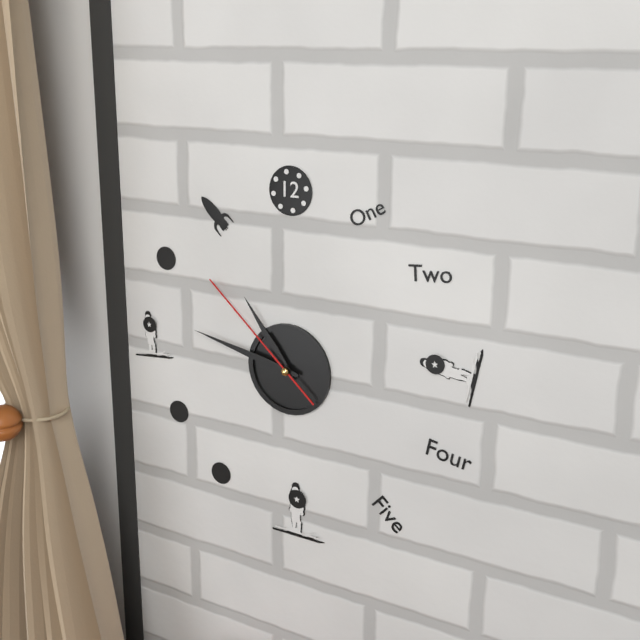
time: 10:47:52
